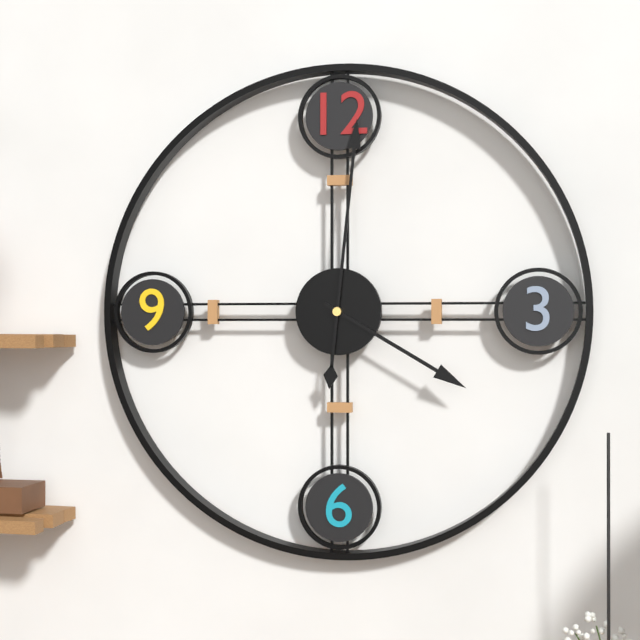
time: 4:01
